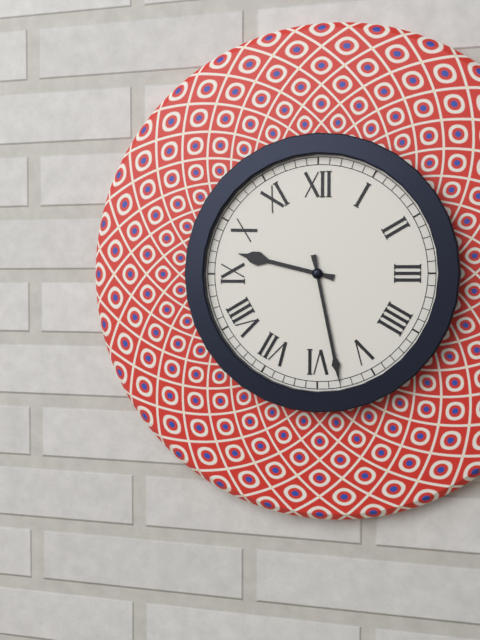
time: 9:28
